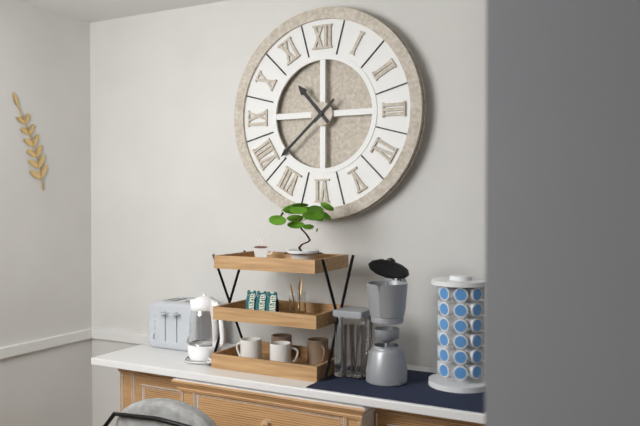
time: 10:38
